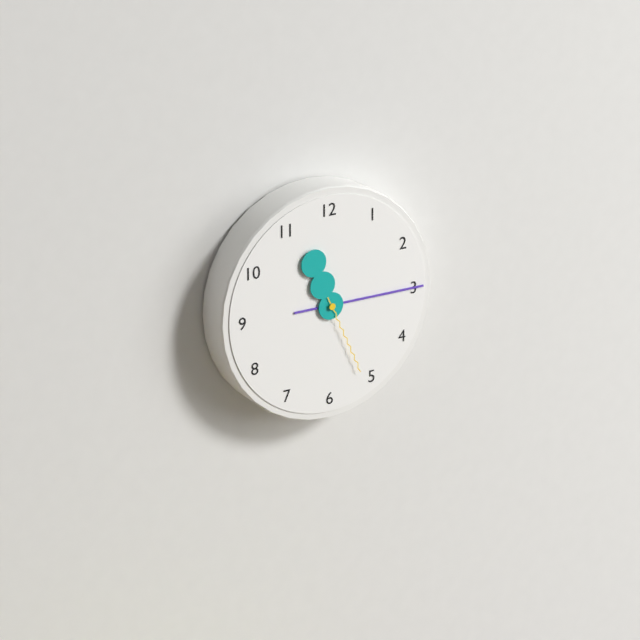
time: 11:15:26
